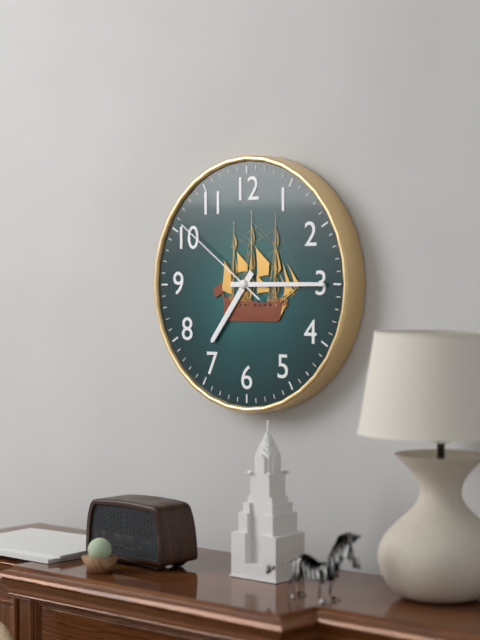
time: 7:15:51
